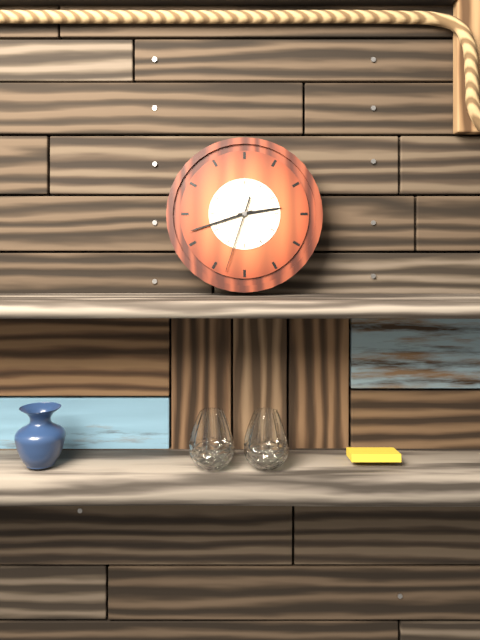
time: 2:42:33
